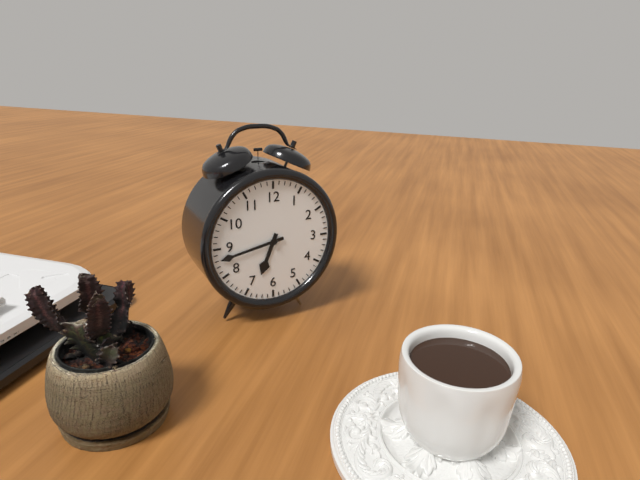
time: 6:43
